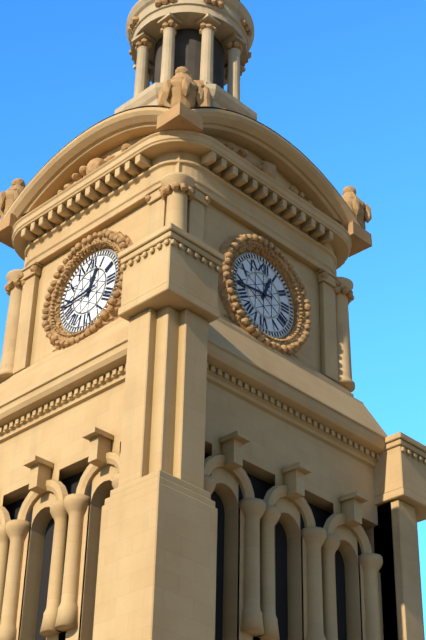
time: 12:44
